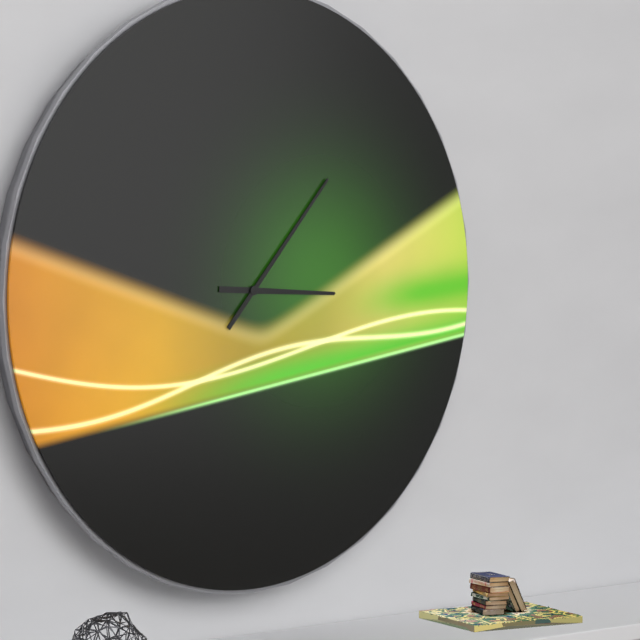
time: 3:07
